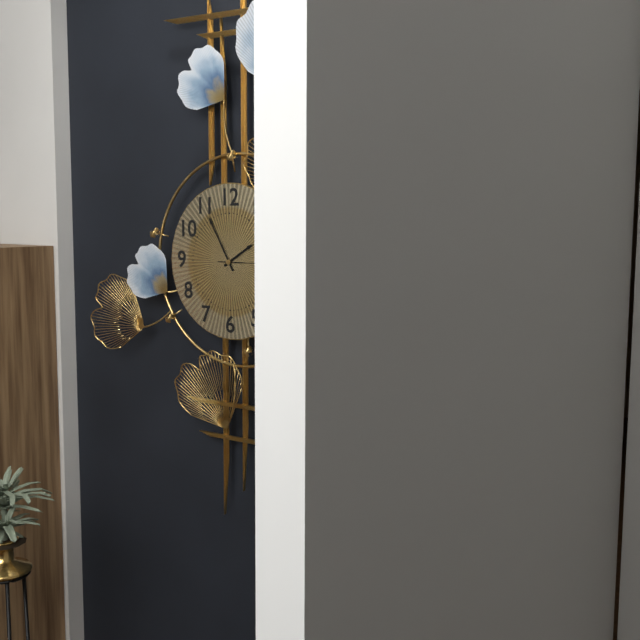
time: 1:55
